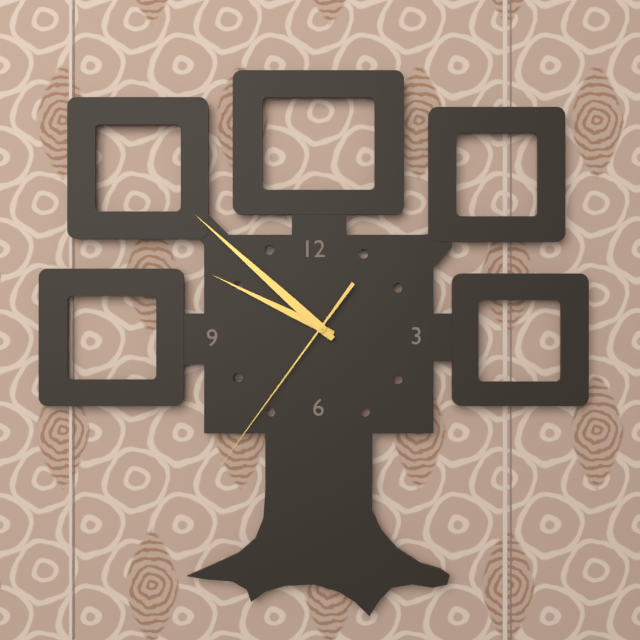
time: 9:52:36
